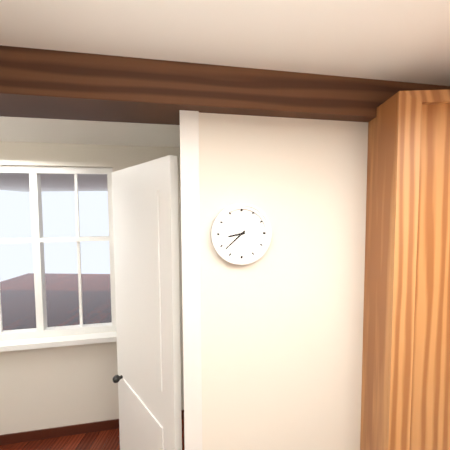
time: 8:38
